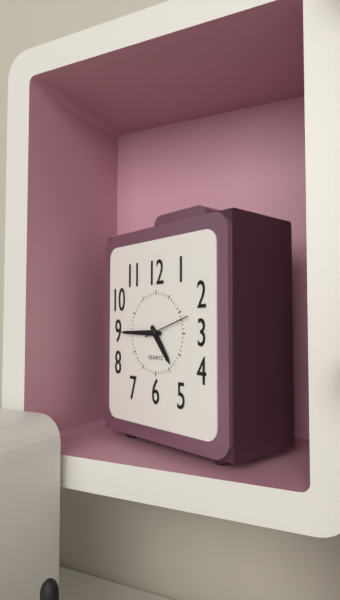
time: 4:45
